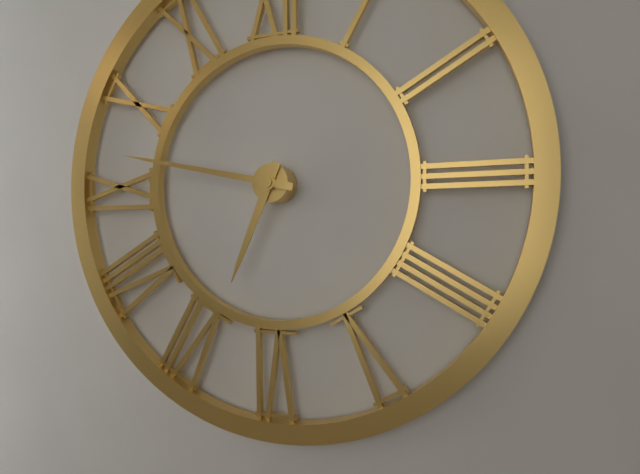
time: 6:47
